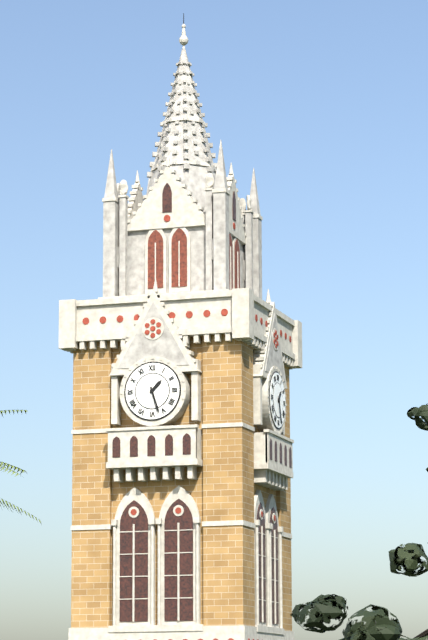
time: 1:27
